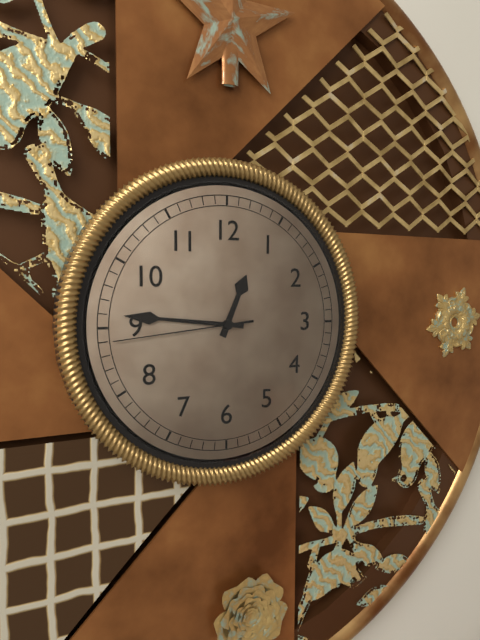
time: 12:46:44
